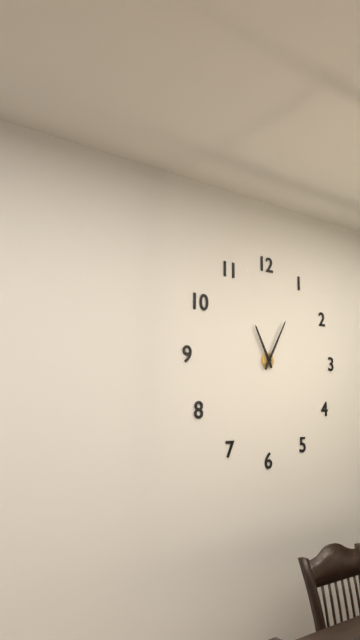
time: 11:05
